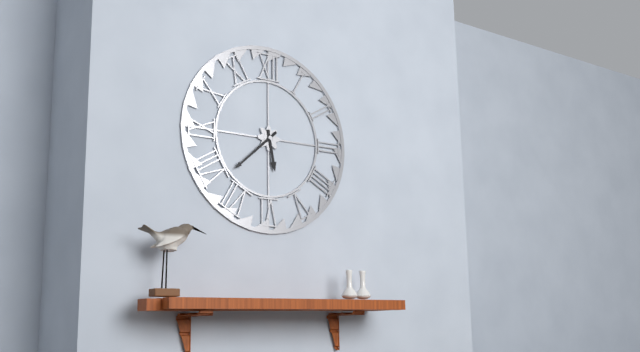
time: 5:38
